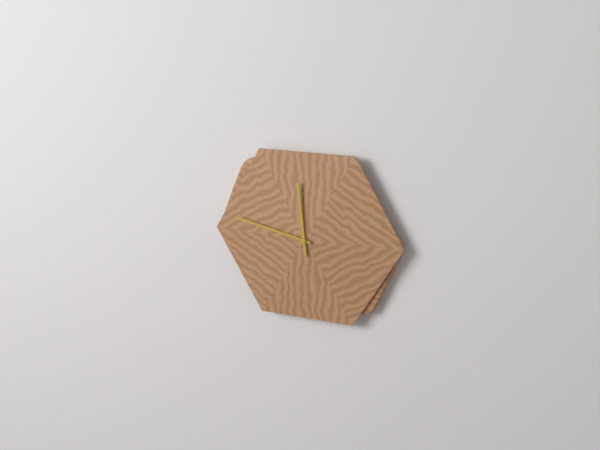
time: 11:47
